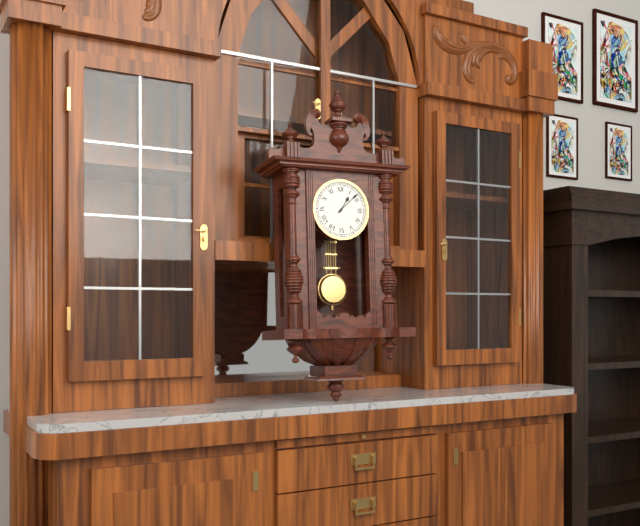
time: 1:08
